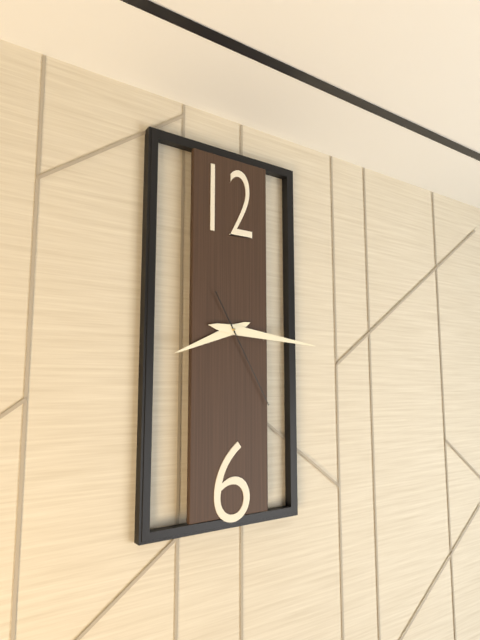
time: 8:16:25
